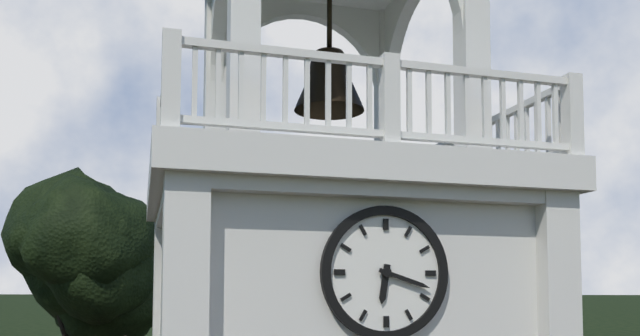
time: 6:18
